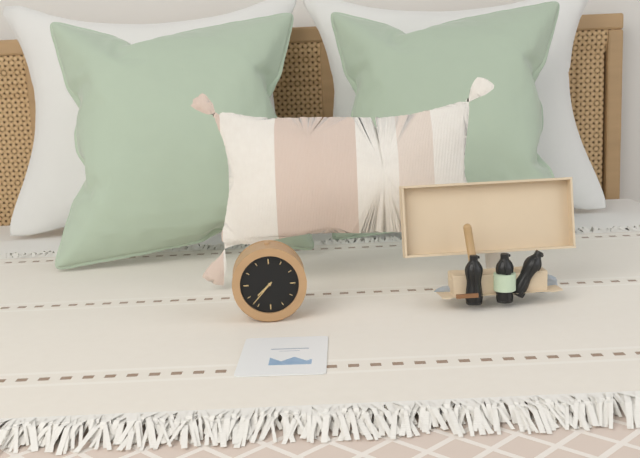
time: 7:37
